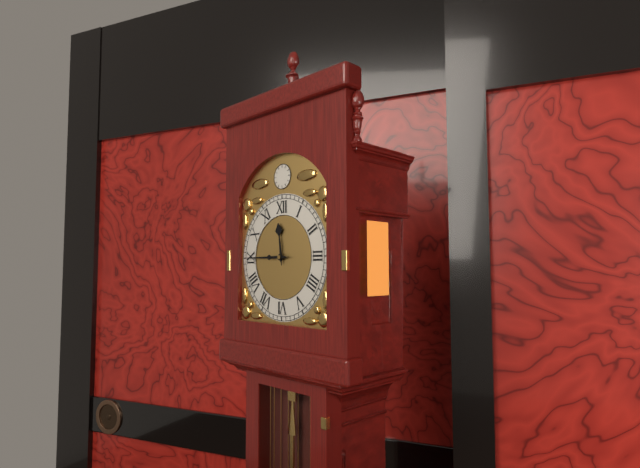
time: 11:45
